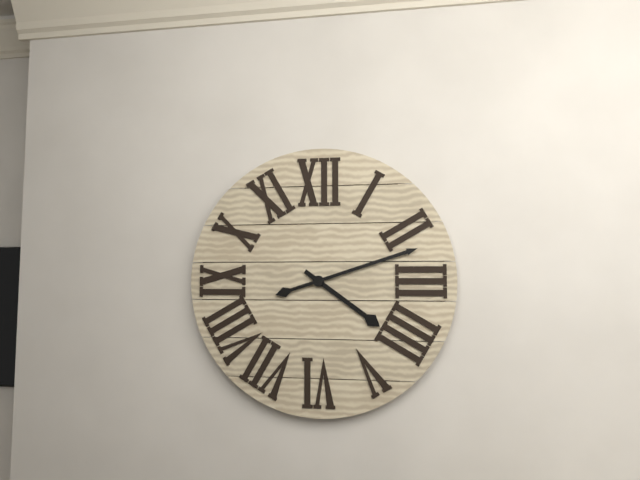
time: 4:12
